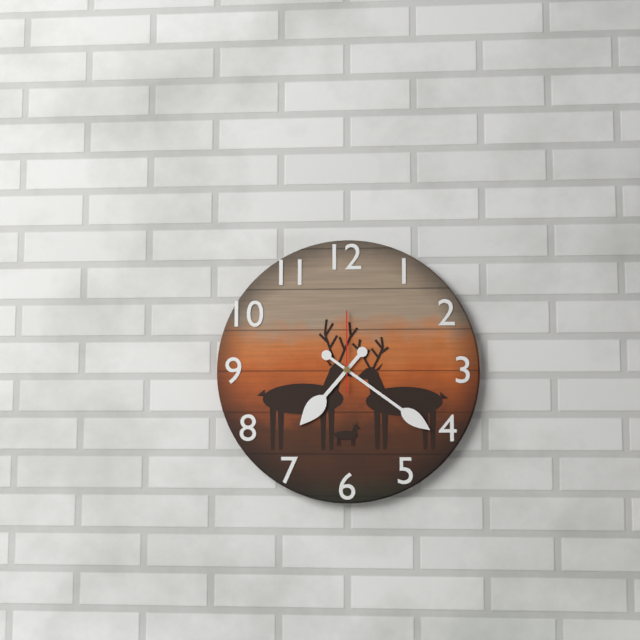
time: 7:21:00
